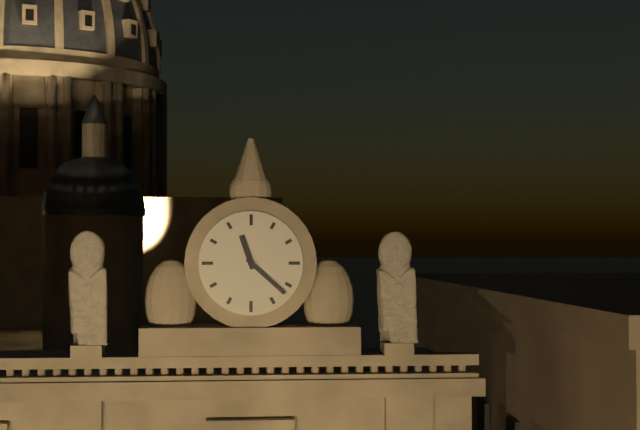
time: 11:22
